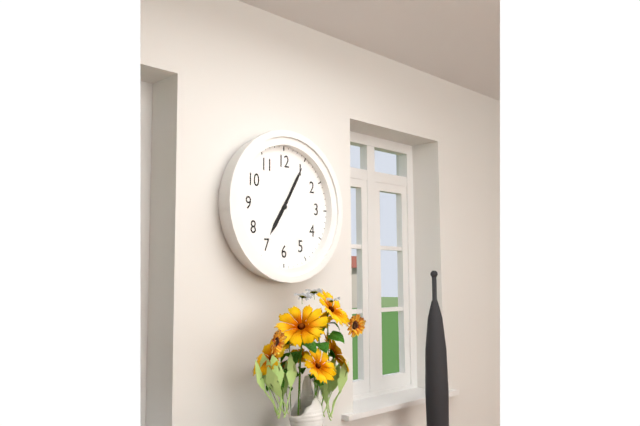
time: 7:05
